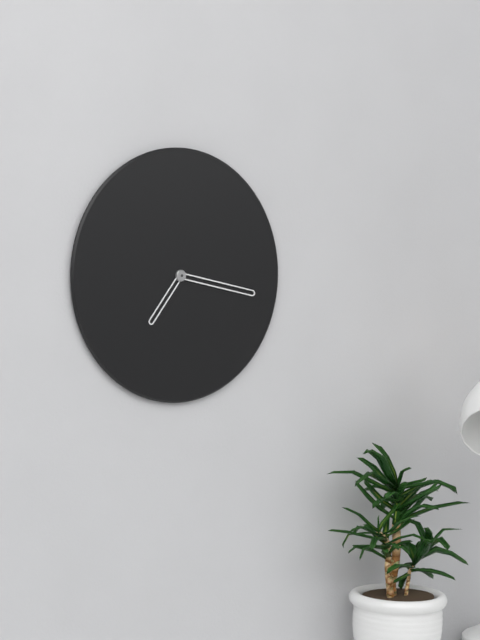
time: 7:17
